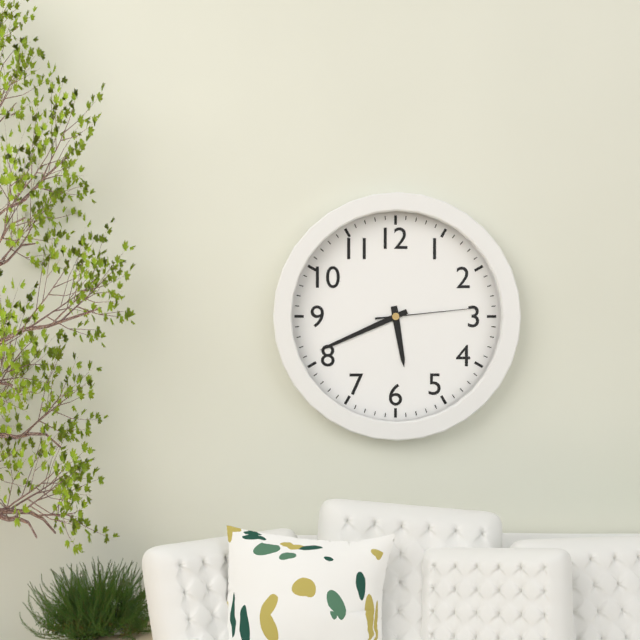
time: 5:41:14
